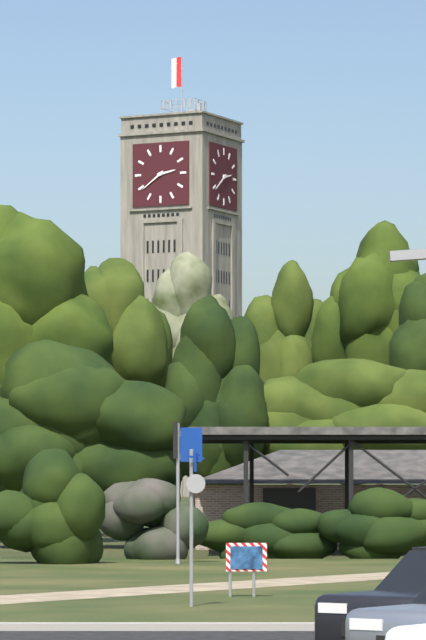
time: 2:39
